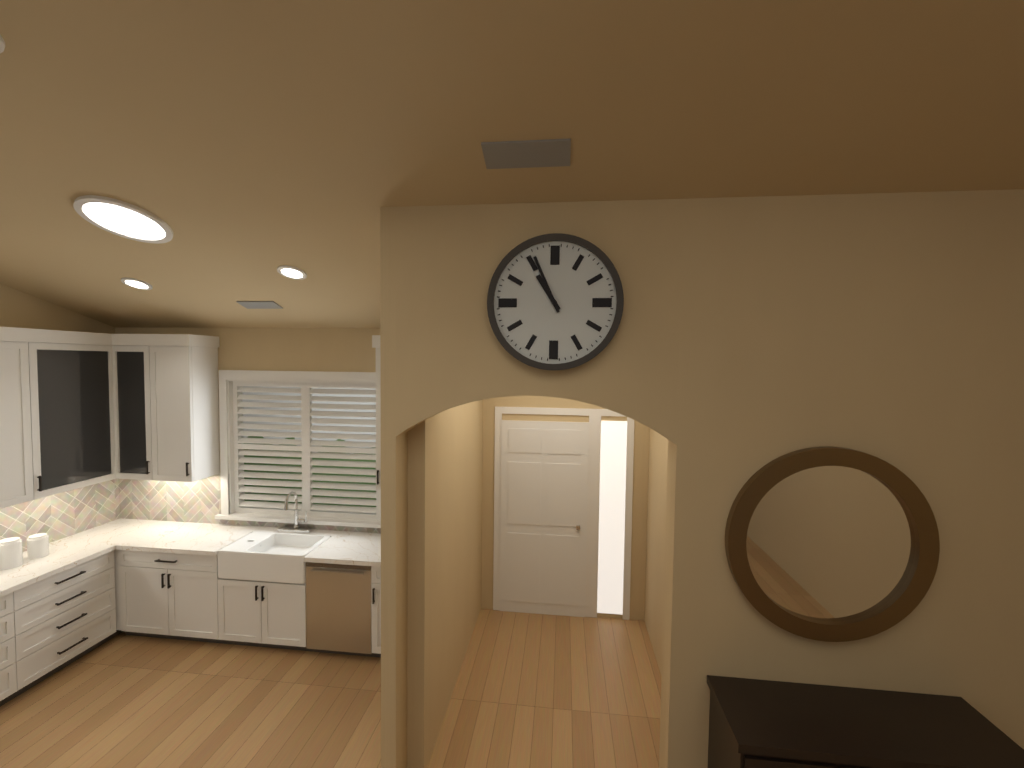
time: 10:56
